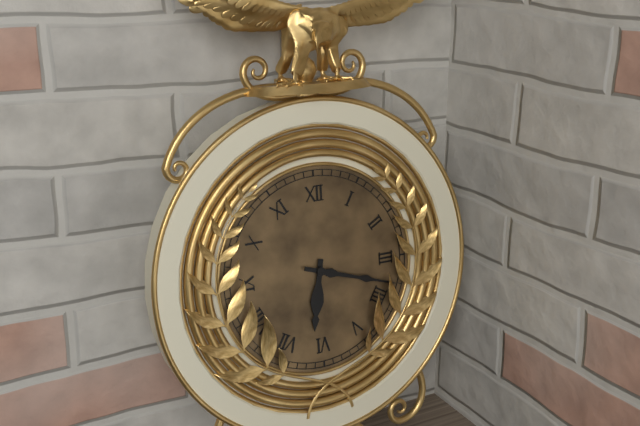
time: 6:18
